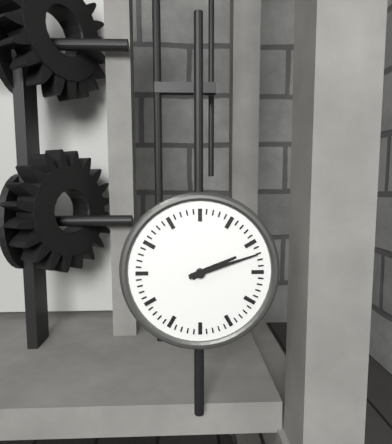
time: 2:12
